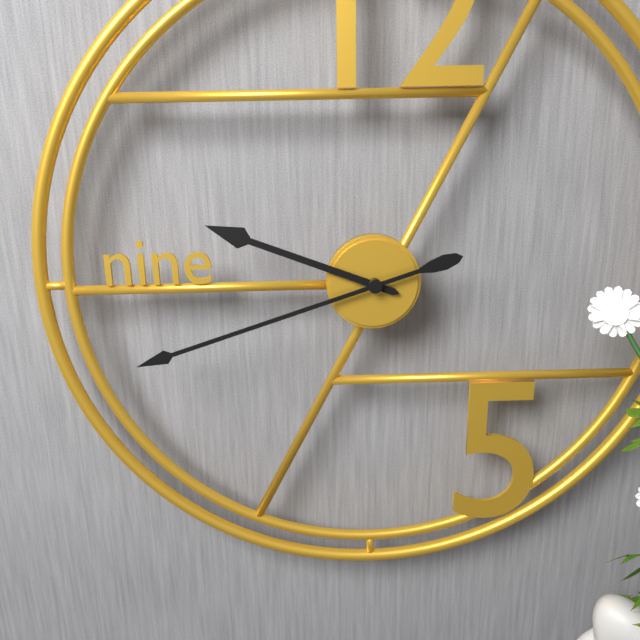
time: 9:42
